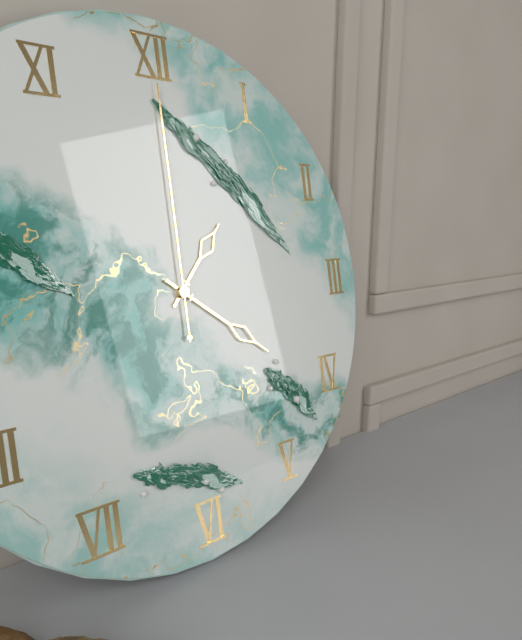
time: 1:21:00
